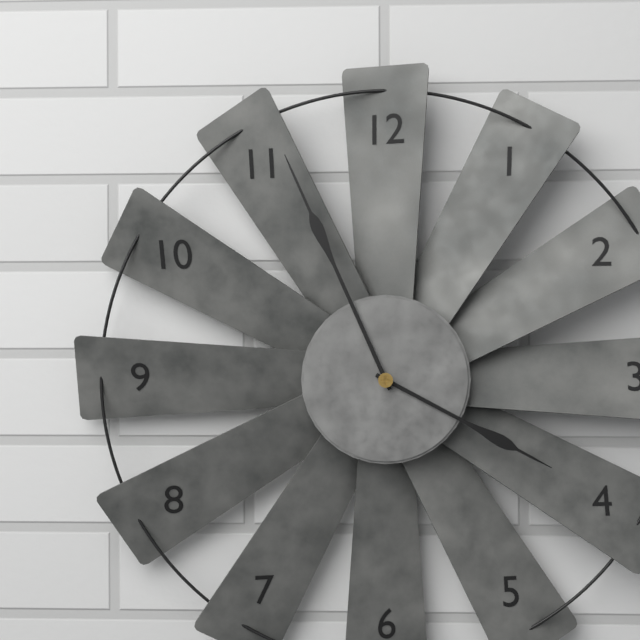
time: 3:56
